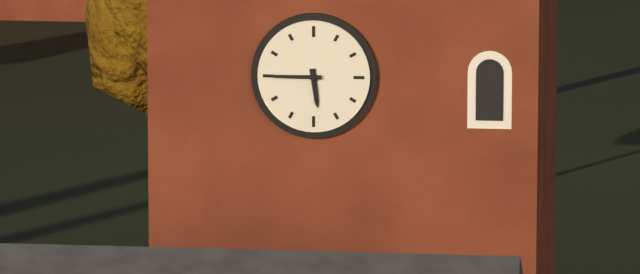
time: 5:45
